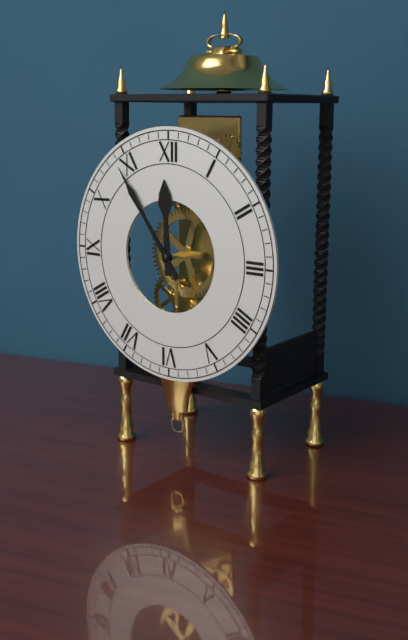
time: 11:54
